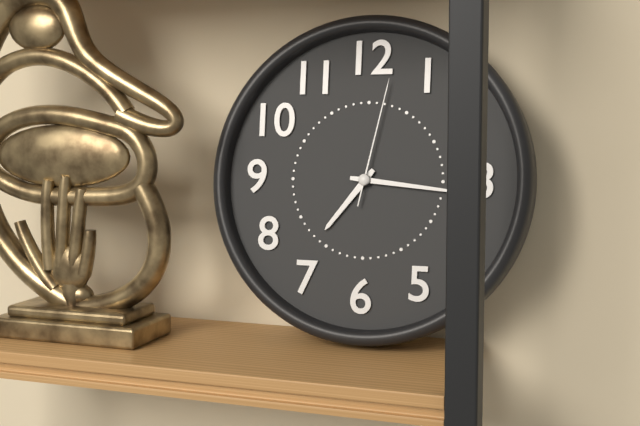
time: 7:16:02
